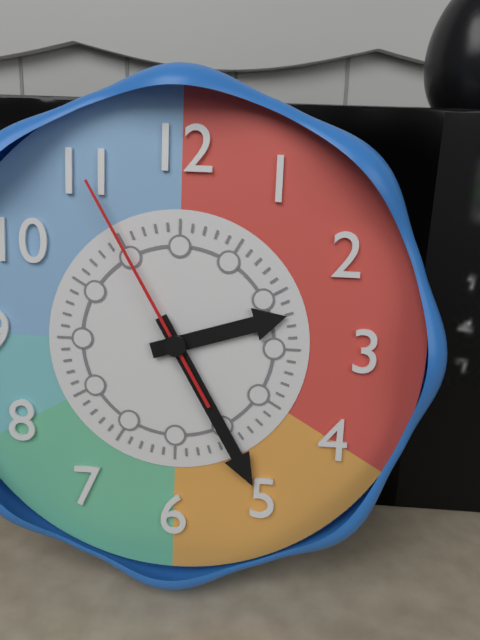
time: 2:25:55
